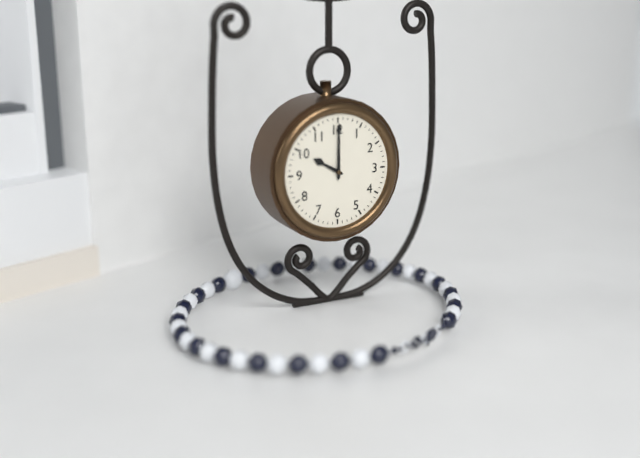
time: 10:00
